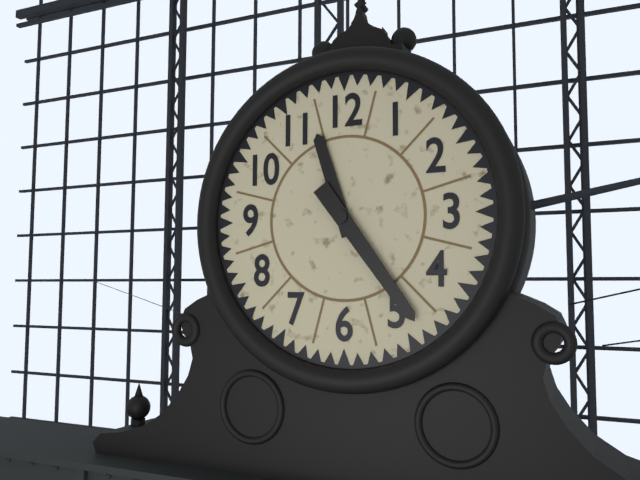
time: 11:24
